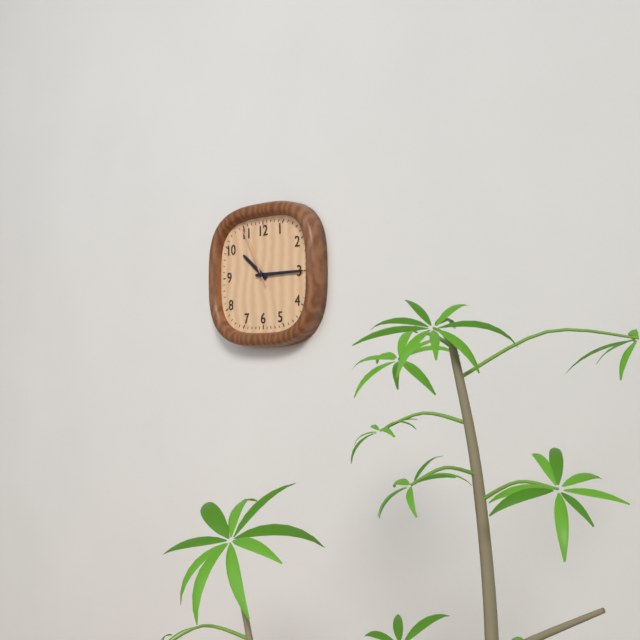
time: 10:15:55
